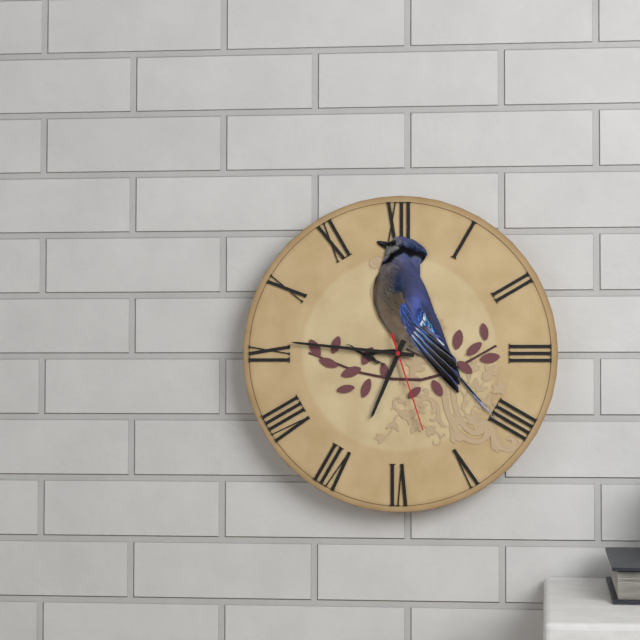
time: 6:46:27
